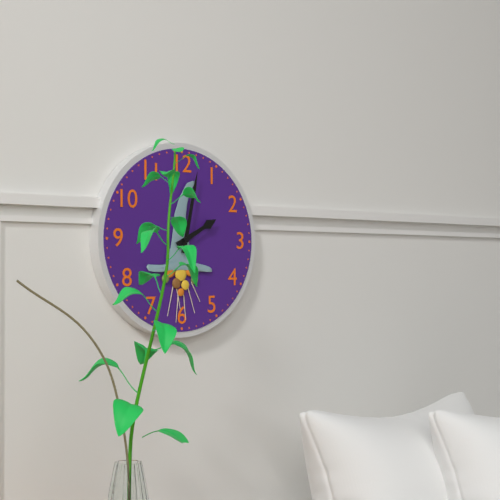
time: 2:02
